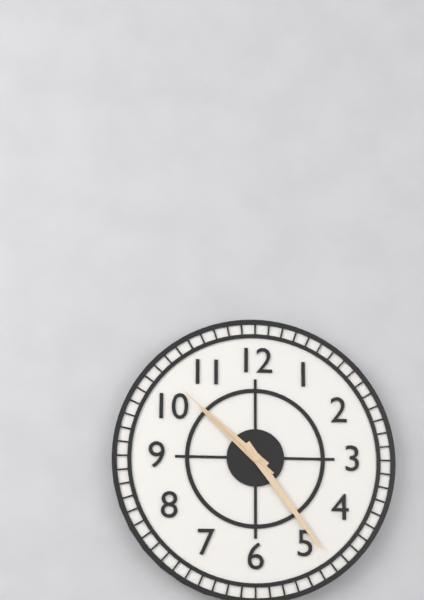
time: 10:24:52
